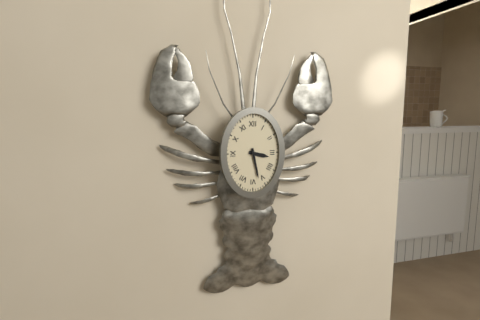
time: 3:28
